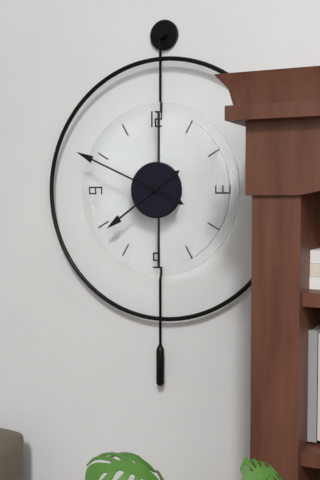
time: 7:49
